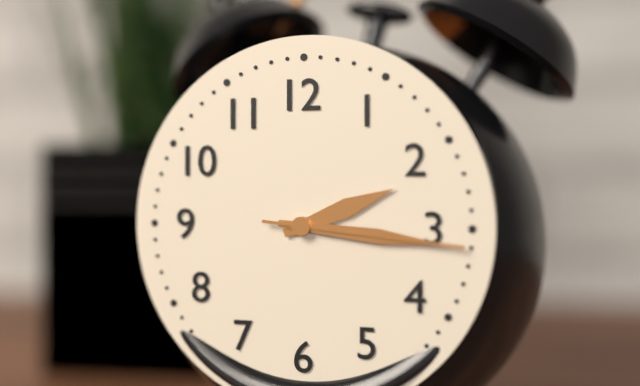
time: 2:16:16
